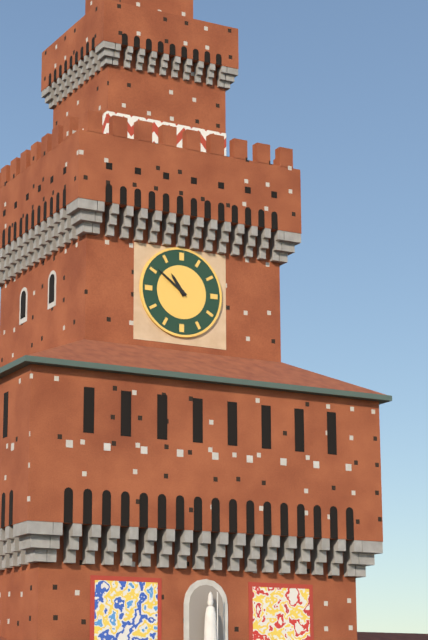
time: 10:51
